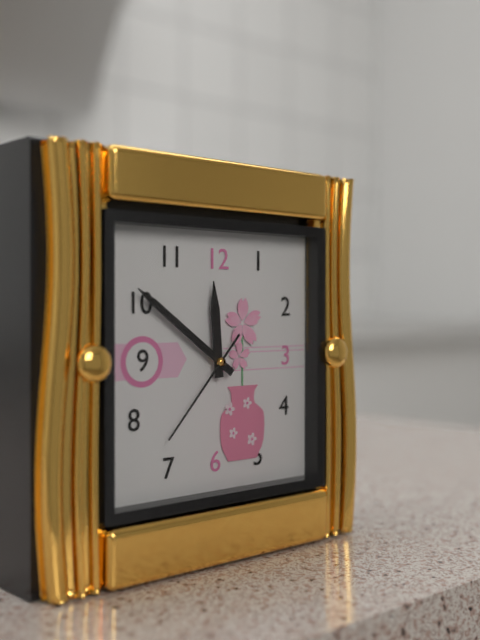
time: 11:51:37
